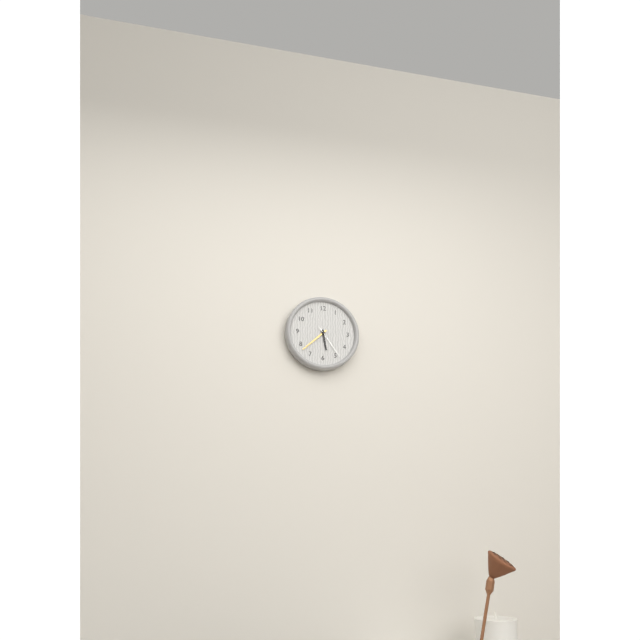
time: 5:38
